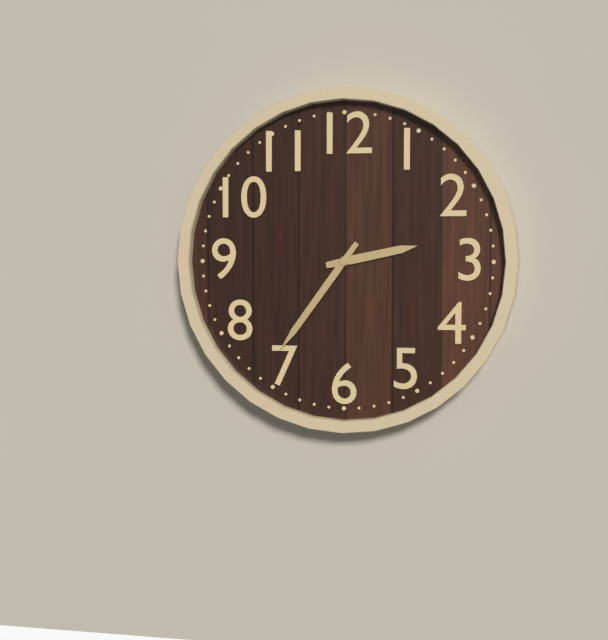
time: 2:36
